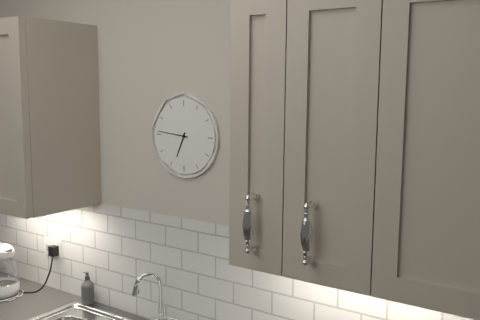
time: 6:46
